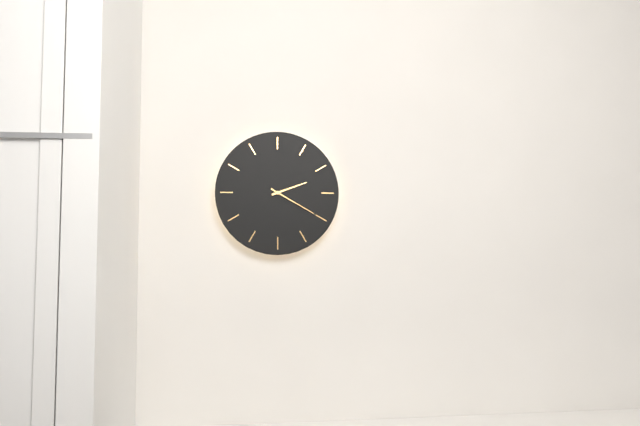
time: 2:20
